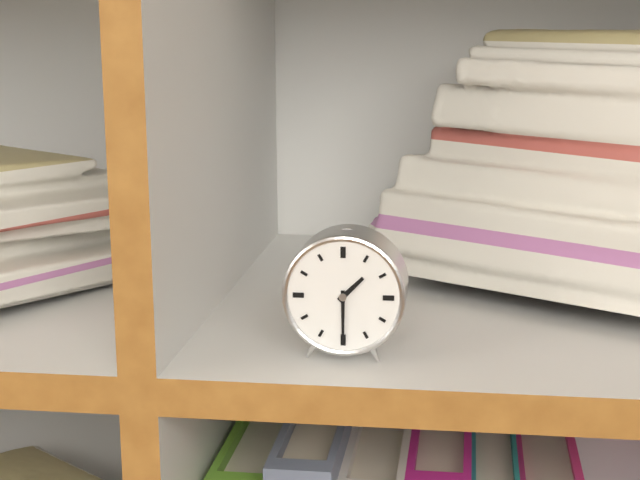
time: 1:30
